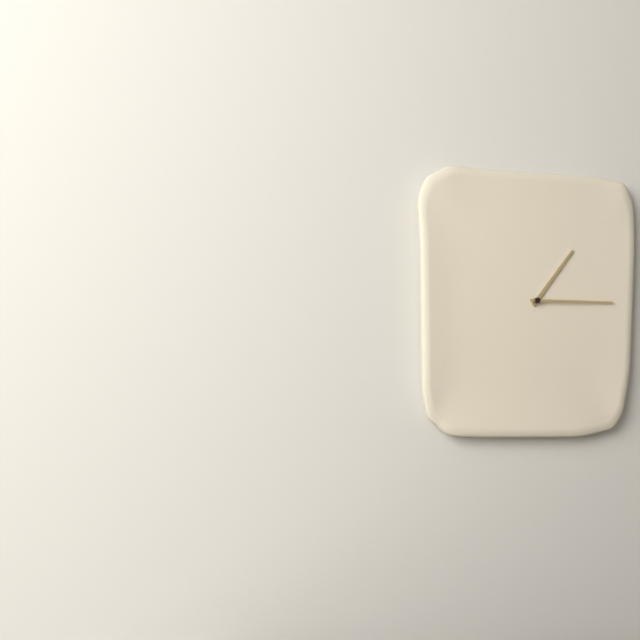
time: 1:15
